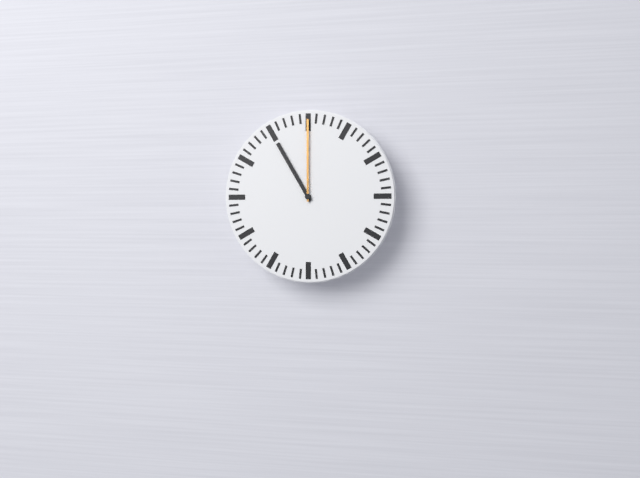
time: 11:00
